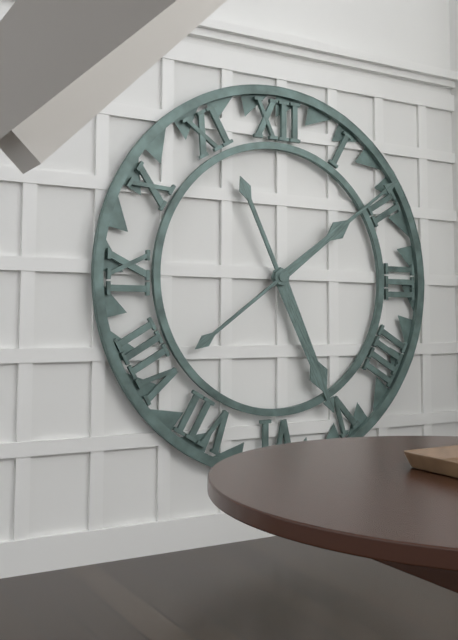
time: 5:09
